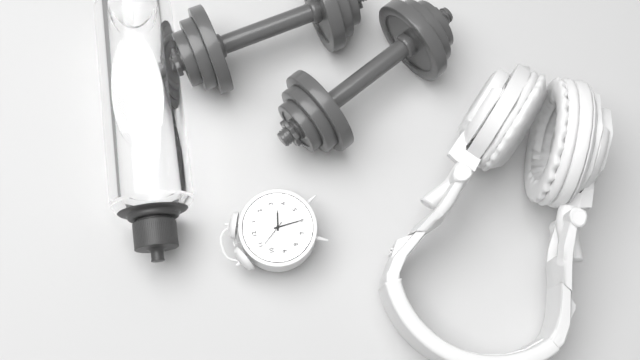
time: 3:30
